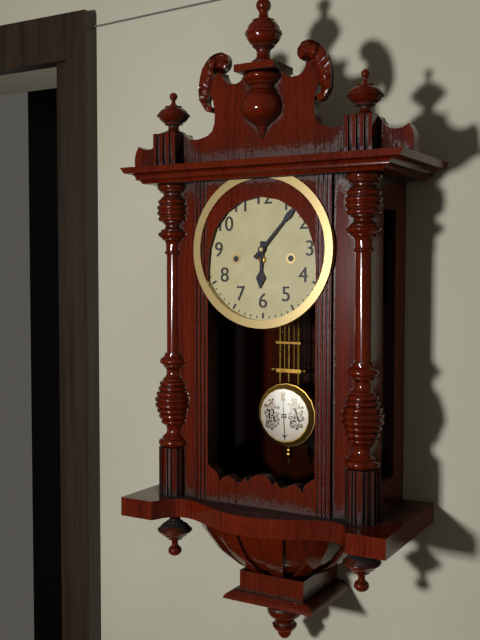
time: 6:07
